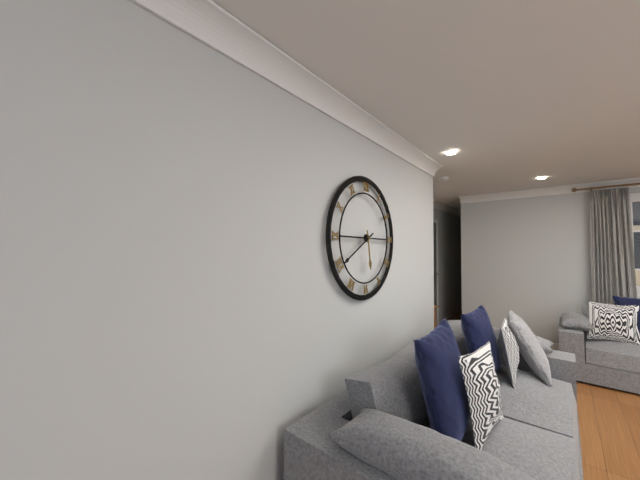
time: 5:40
